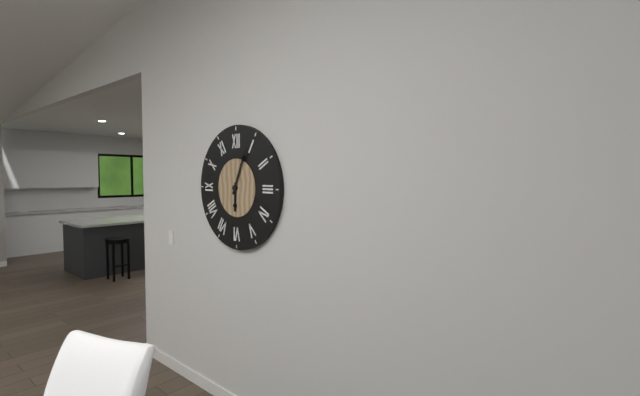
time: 6:04
